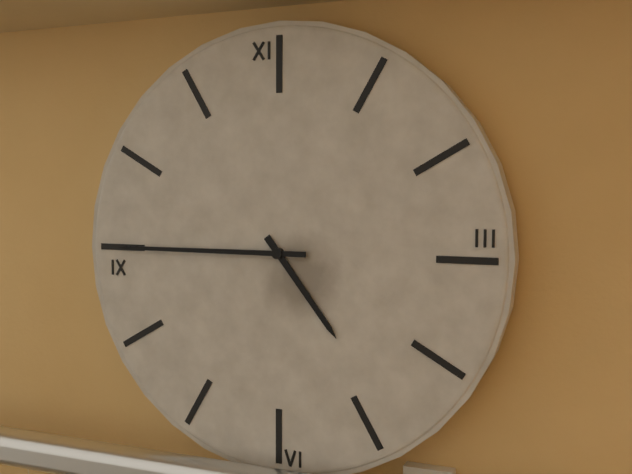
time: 4:45
